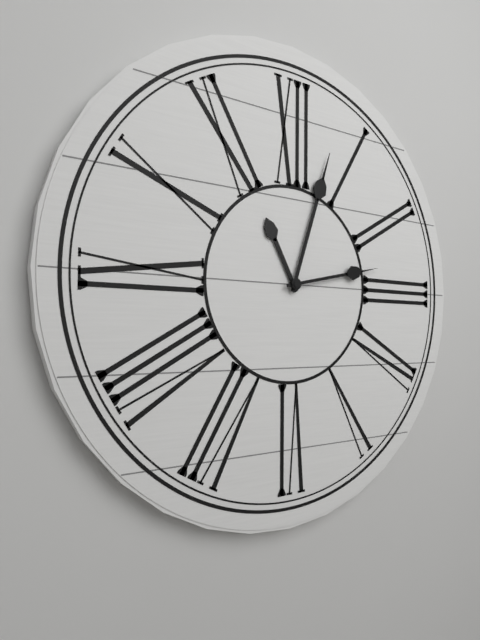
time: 11:03:13
